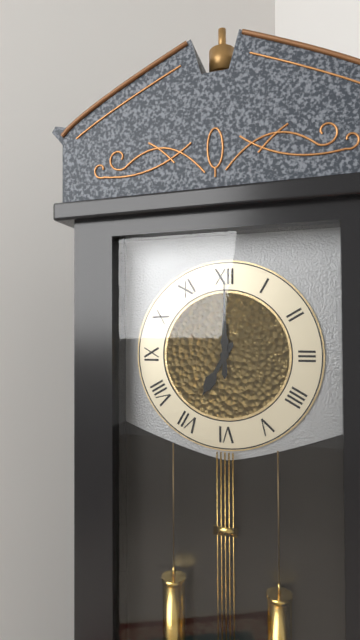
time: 7:00
